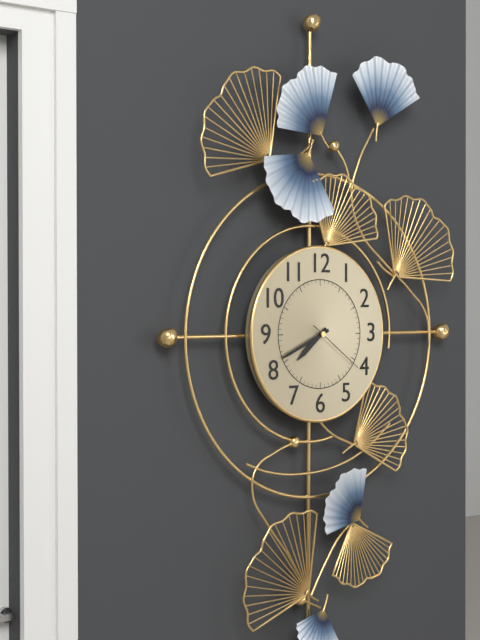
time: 7:41:21
